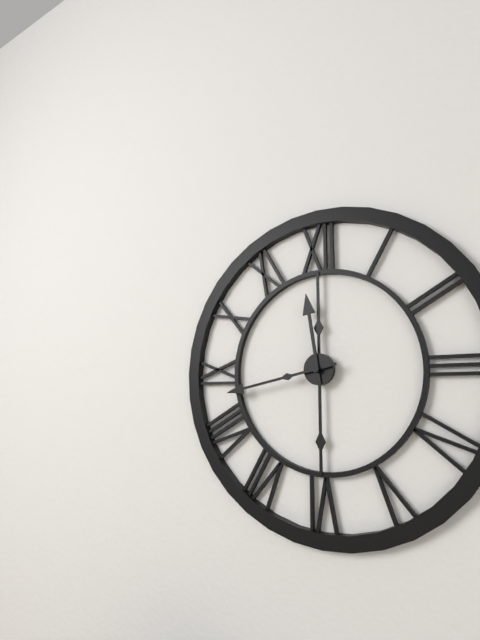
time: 11:43
